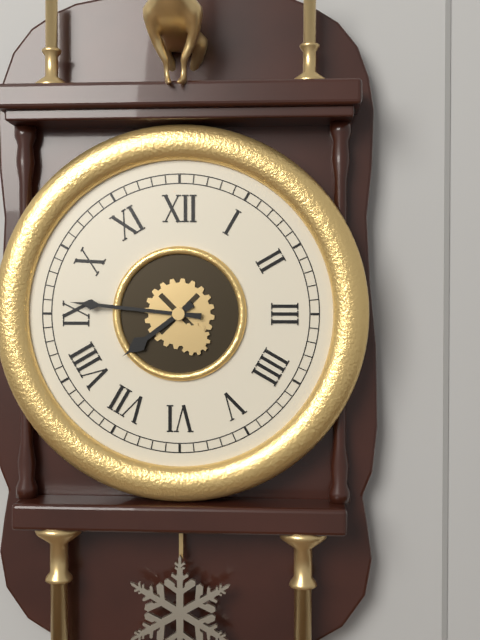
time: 7:46
